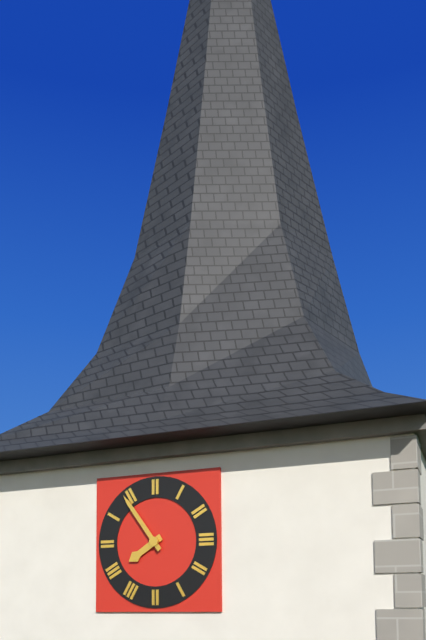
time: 7:54
